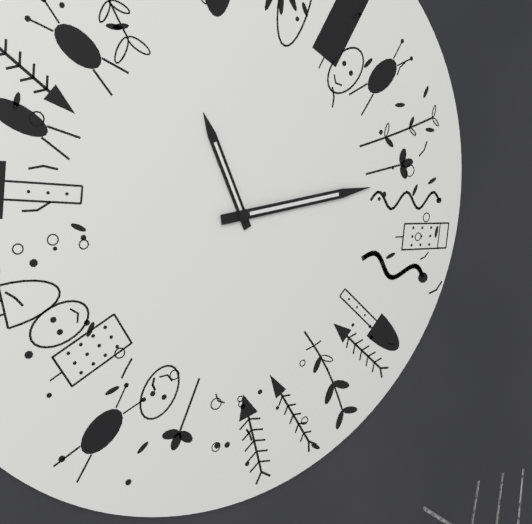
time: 11:14
